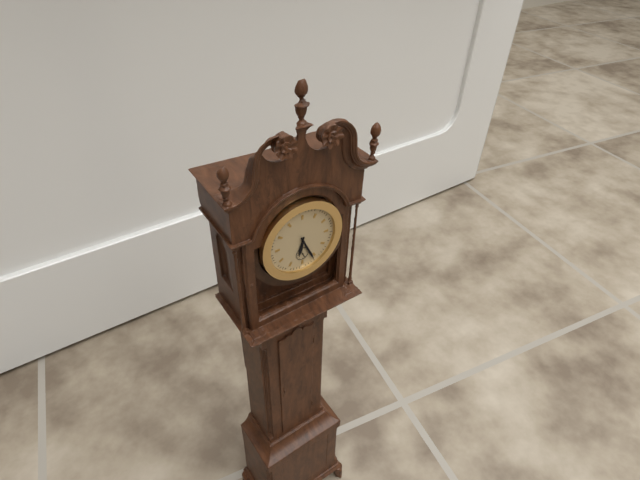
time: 6:26
